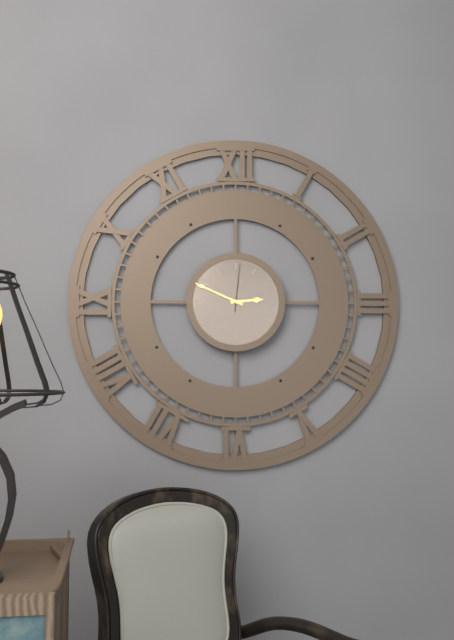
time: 2:49
